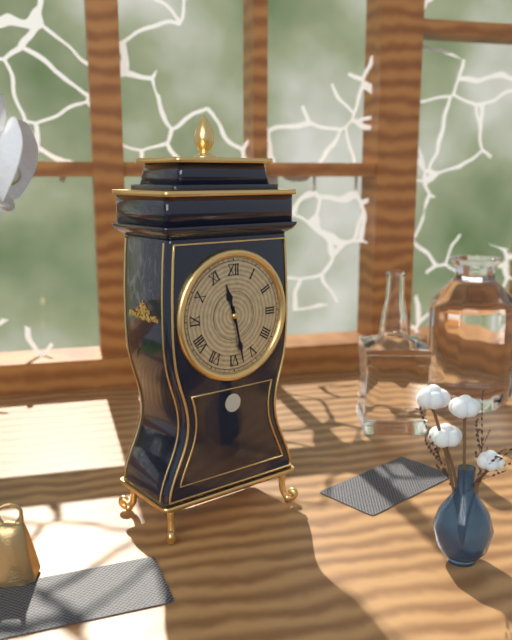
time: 11:28
